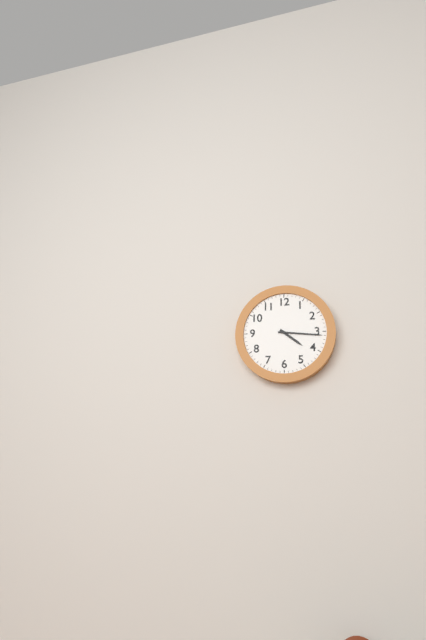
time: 4:16
